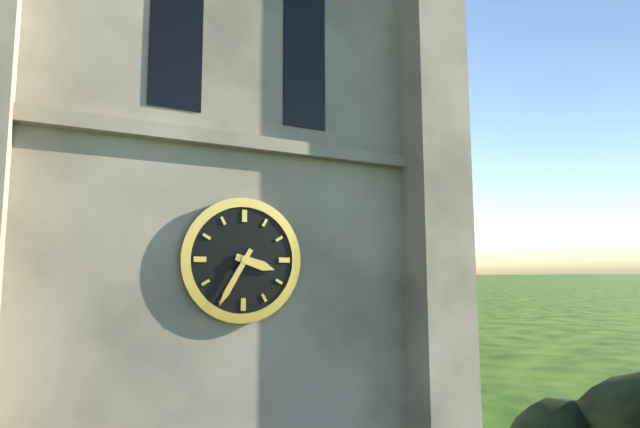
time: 3:35
